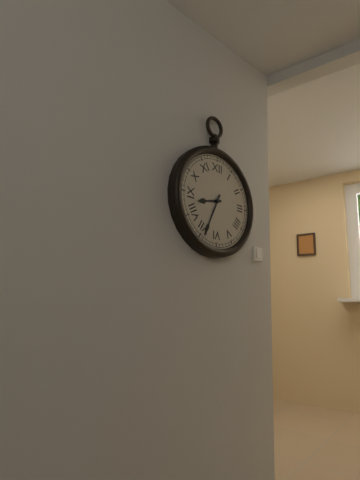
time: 8:34
